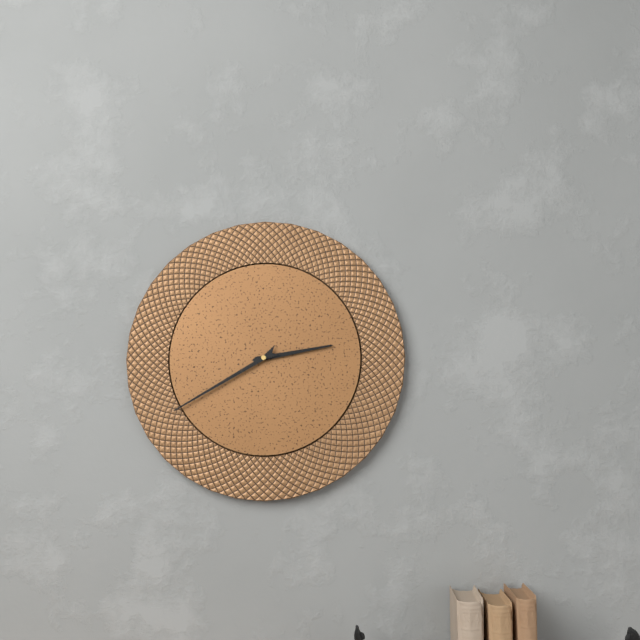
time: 2:40
